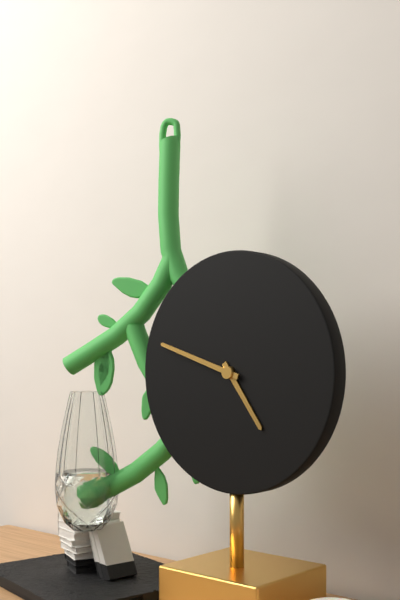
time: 4:48
